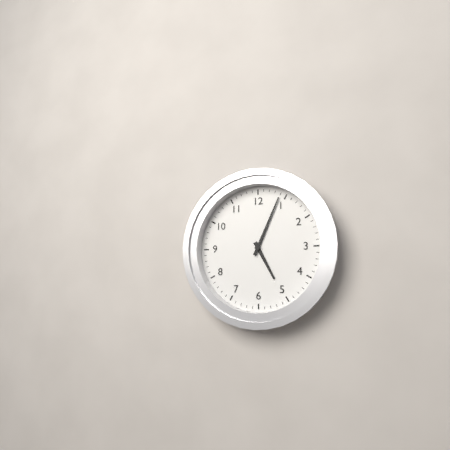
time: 5:04
